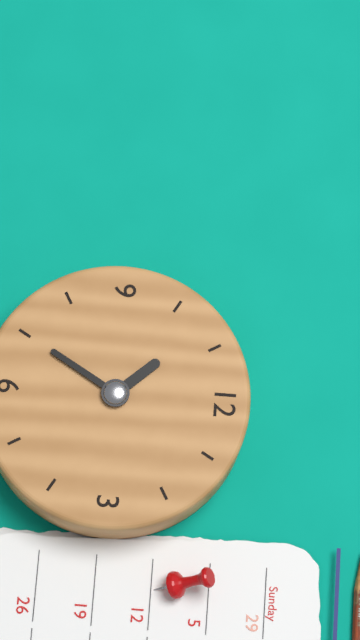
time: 10:35
